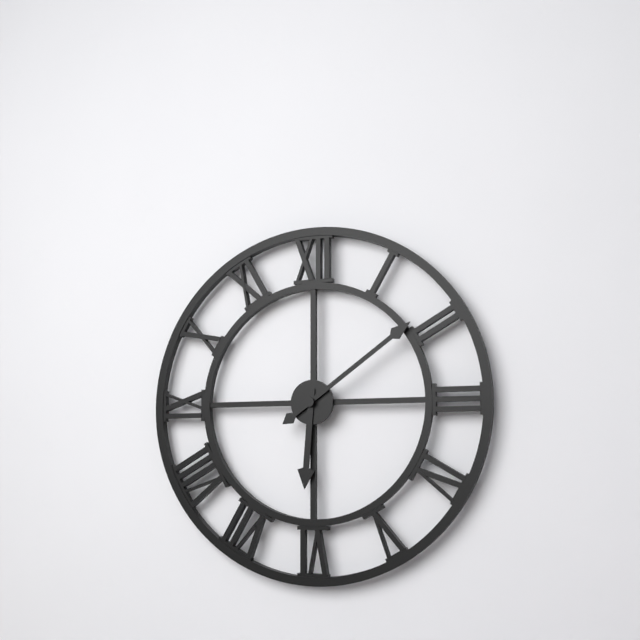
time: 6:09
